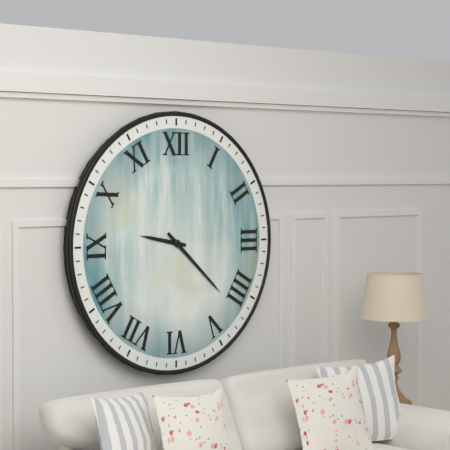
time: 9:22
